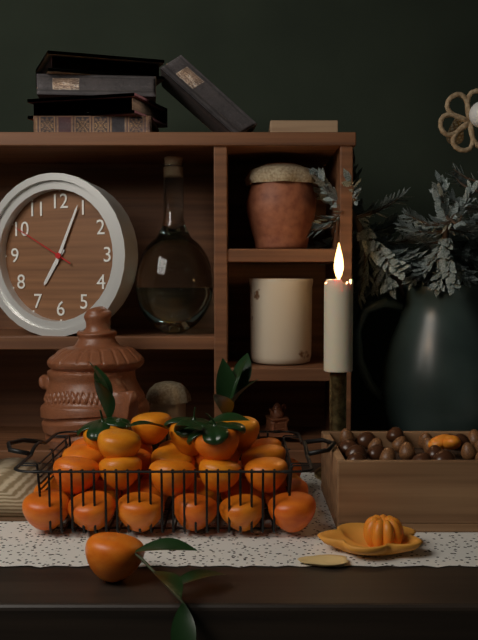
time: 7:04:50
